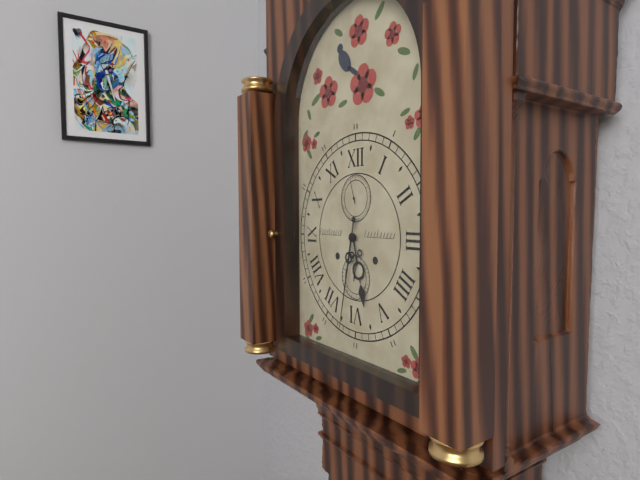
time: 5:32
